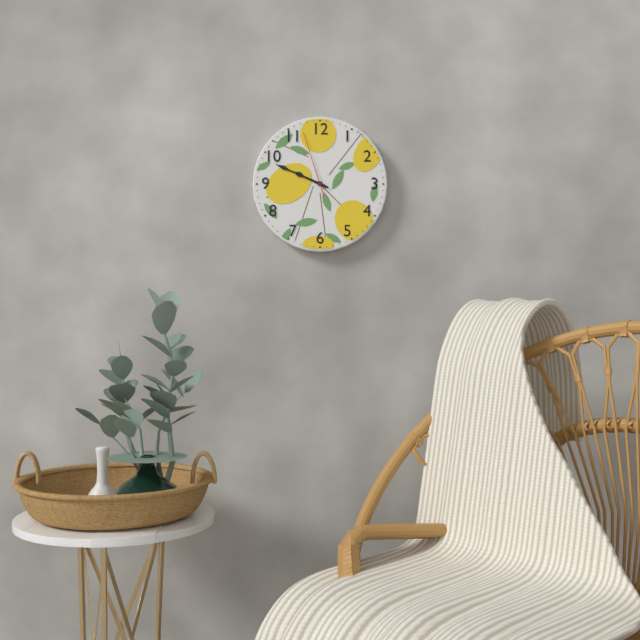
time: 9:49:57
